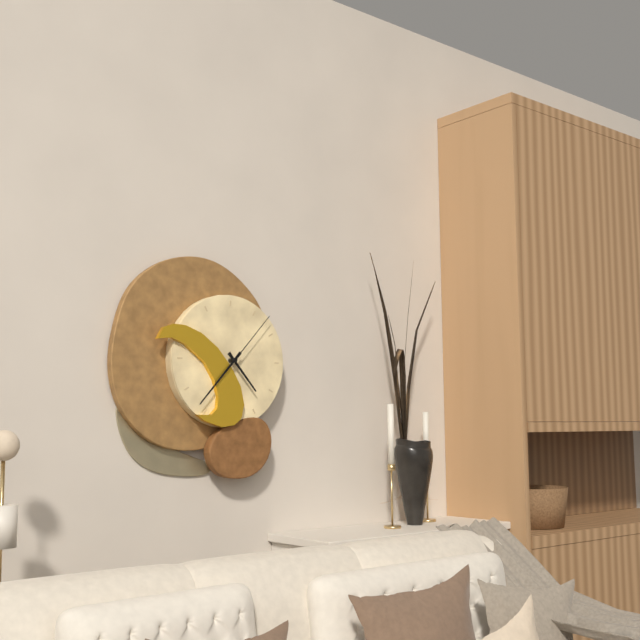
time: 4:37:07
